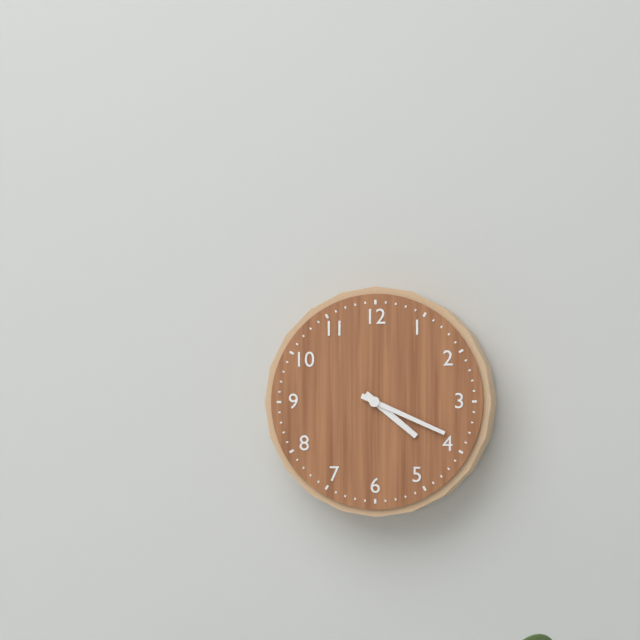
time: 4:19
